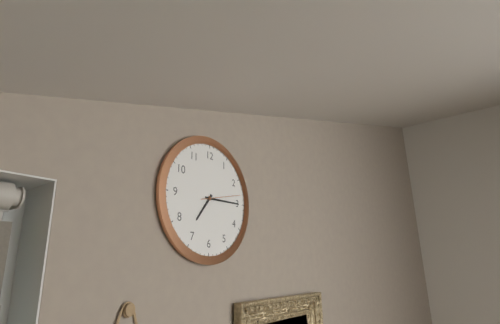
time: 7:15
